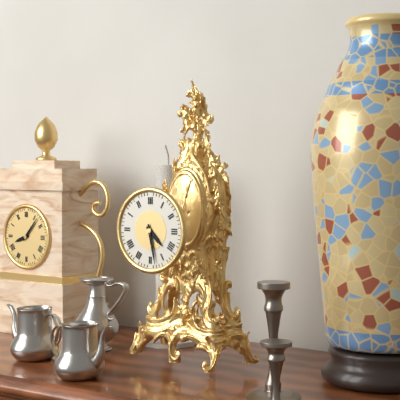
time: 4:28
